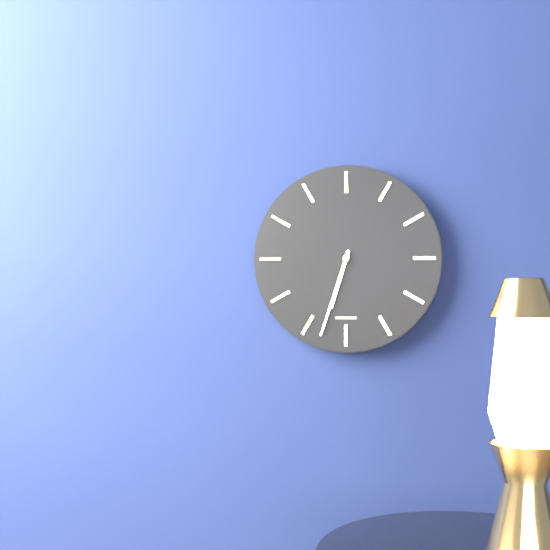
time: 6:33
